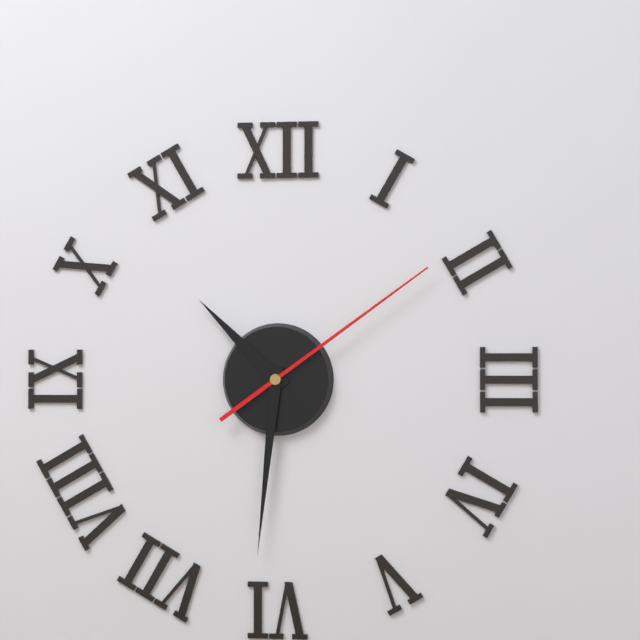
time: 10:31:09
